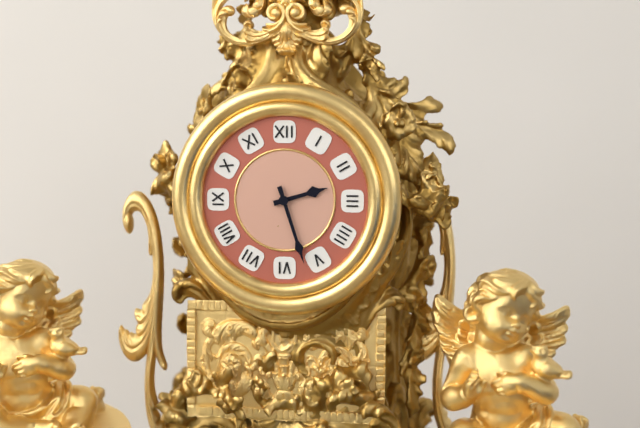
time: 2:27
